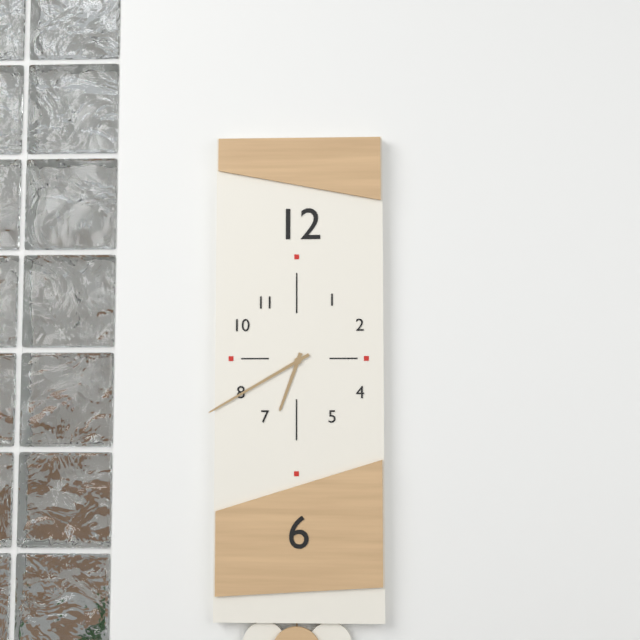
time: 6:40
